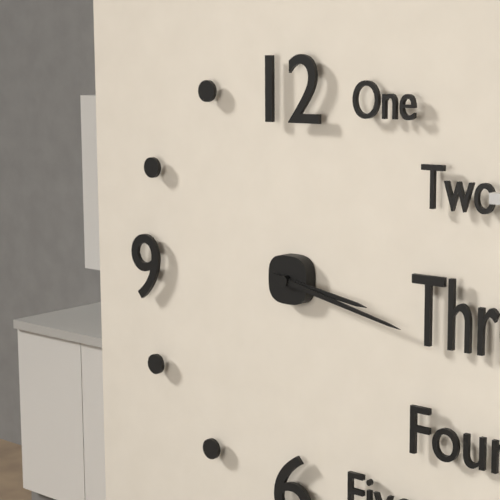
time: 3:17
